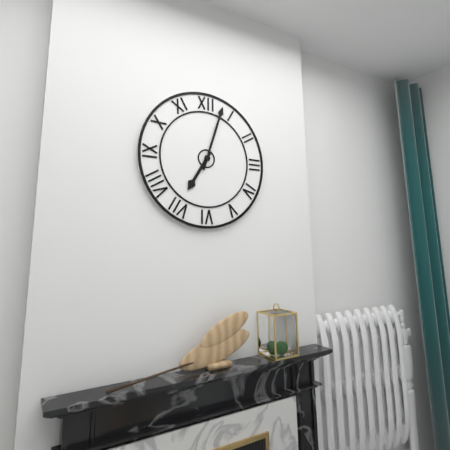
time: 7:03
